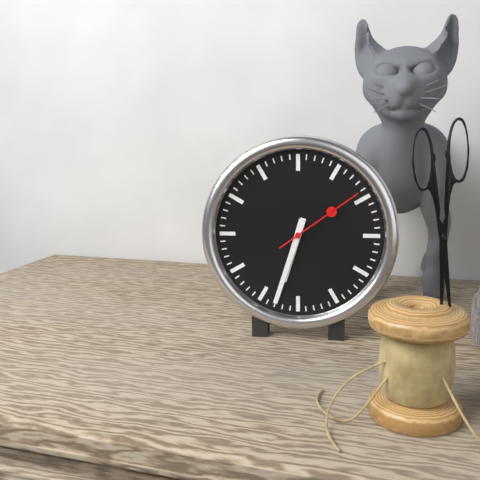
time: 6:33:09
